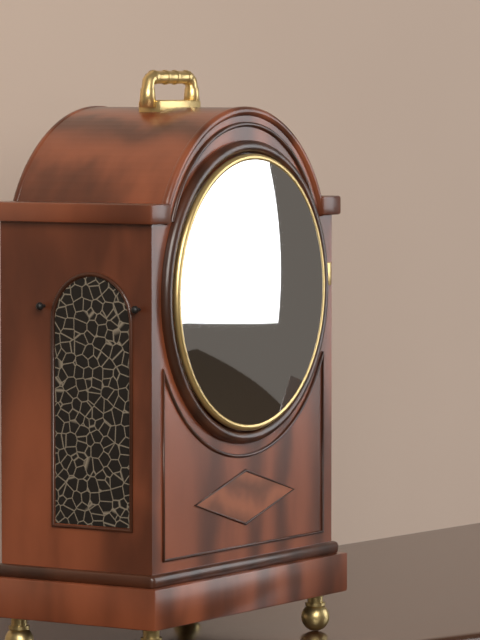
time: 1:25
